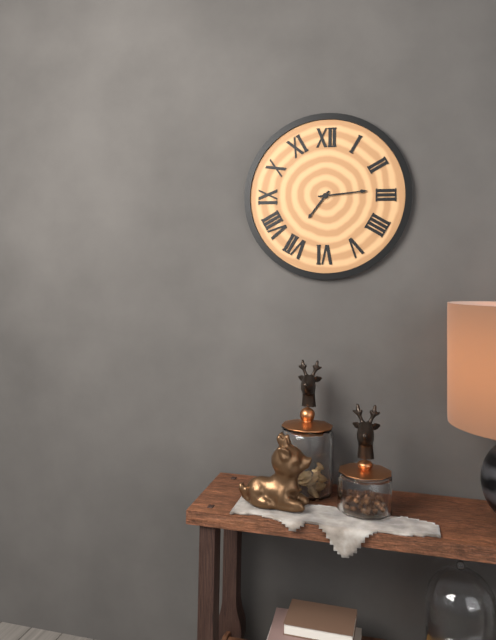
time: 7:14
